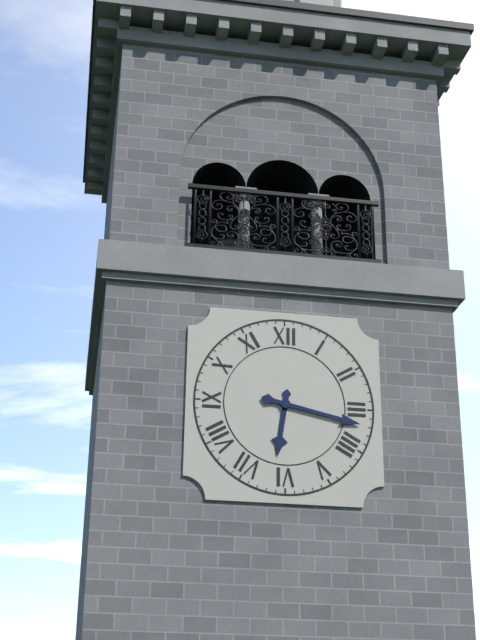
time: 6:17
